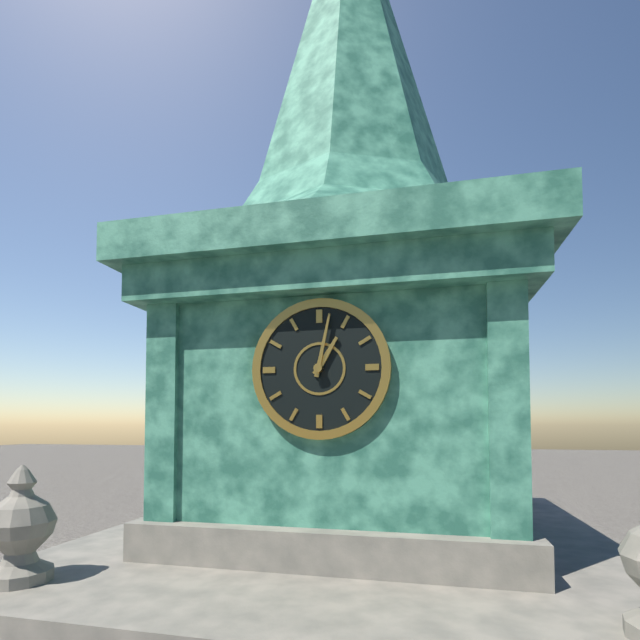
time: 1:02
